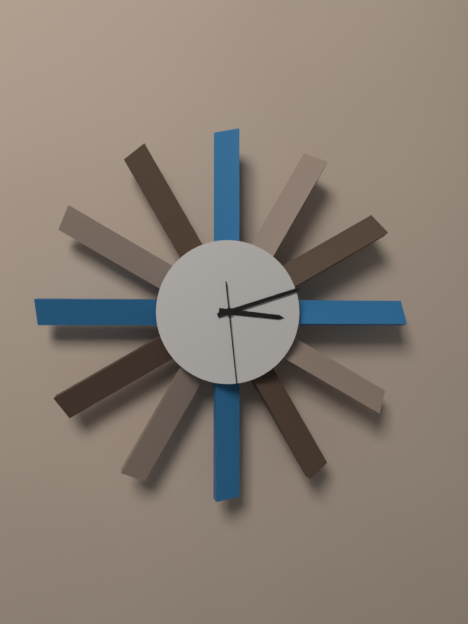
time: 3:12:29
